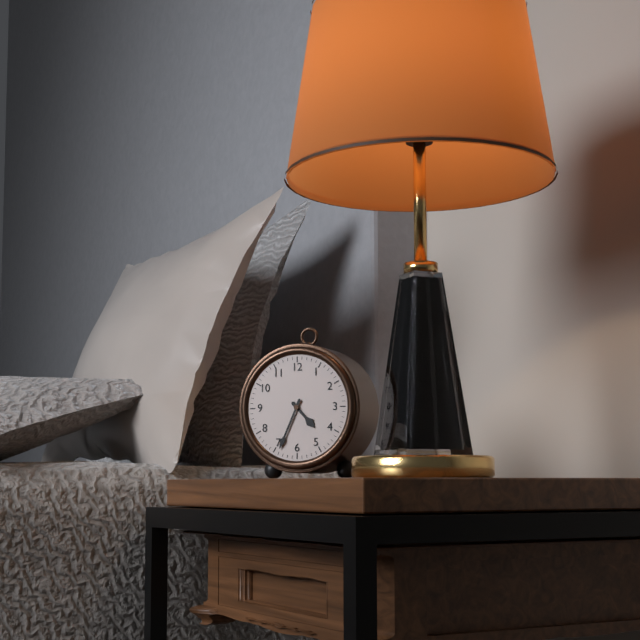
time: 4:34
